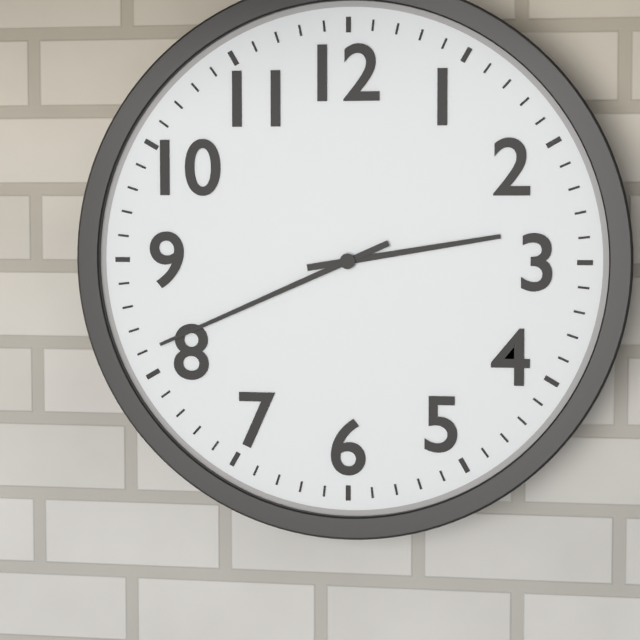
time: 2:41
